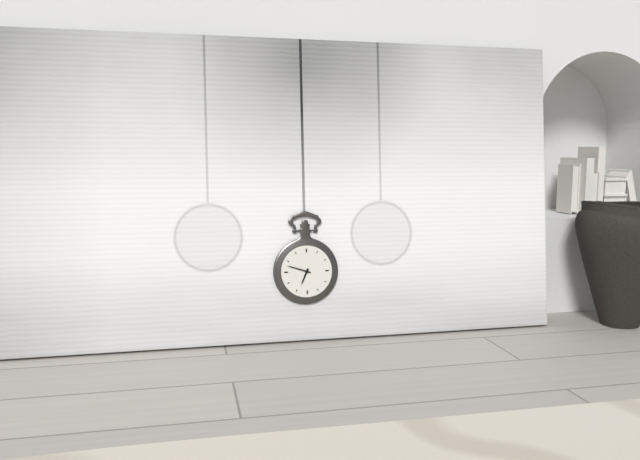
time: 6:48
